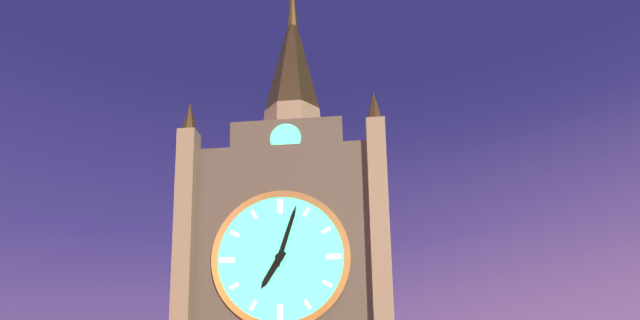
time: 7:03
